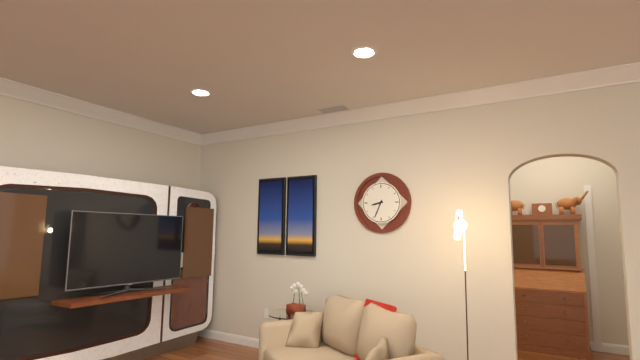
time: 8:34
